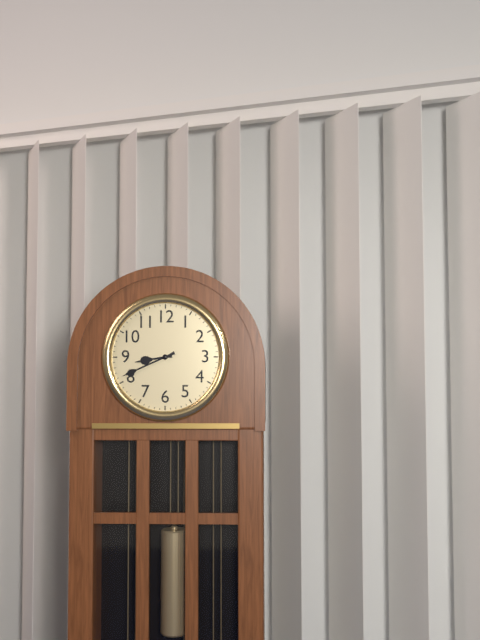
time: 8:41
